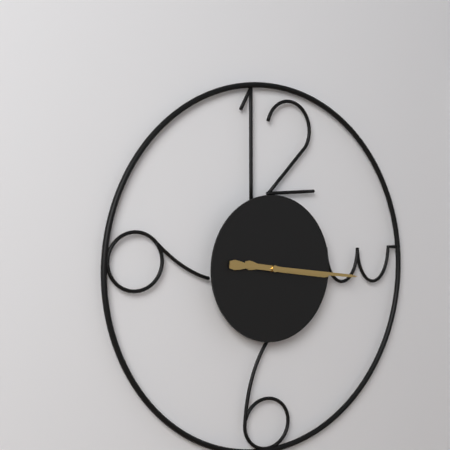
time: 3:16
